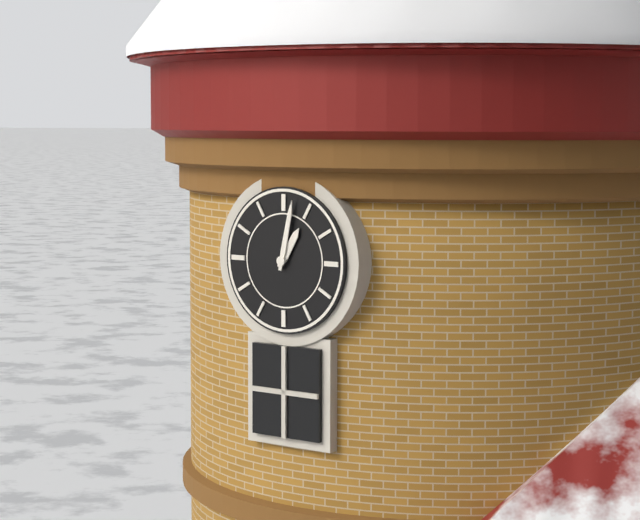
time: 1:02
